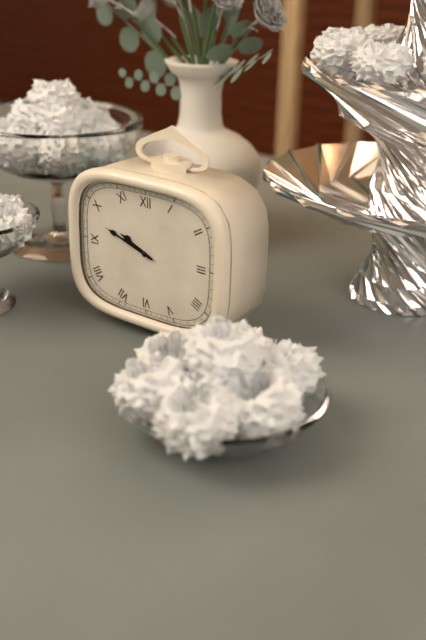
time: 9:48
